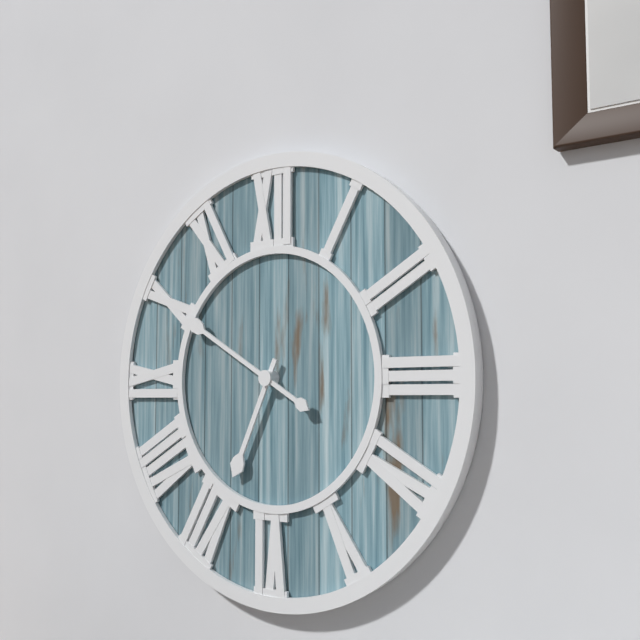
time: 6:50
